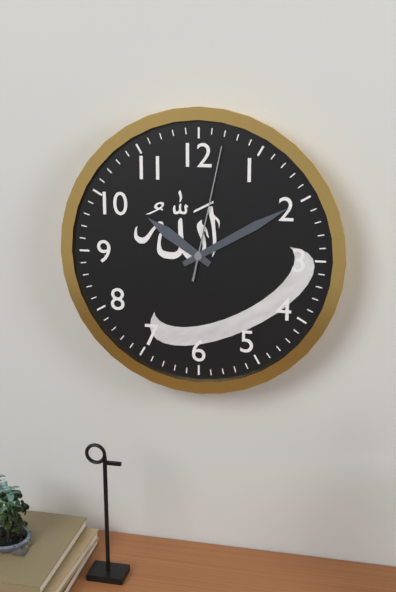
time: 10:10:02
